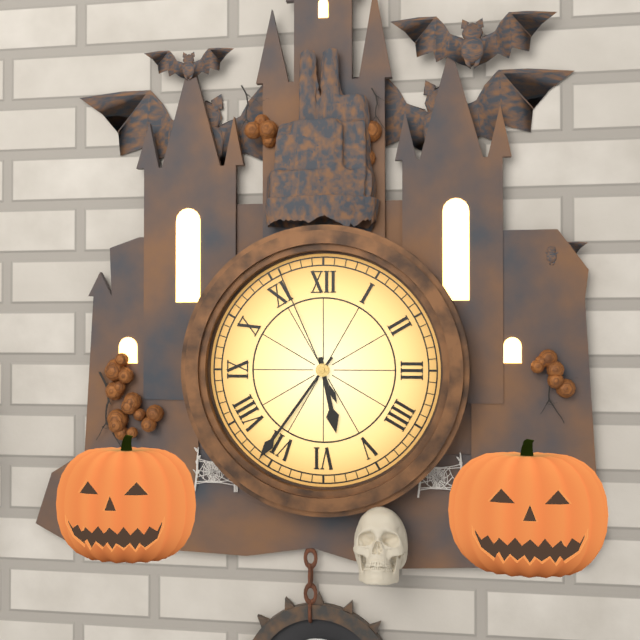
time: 5:36:56
